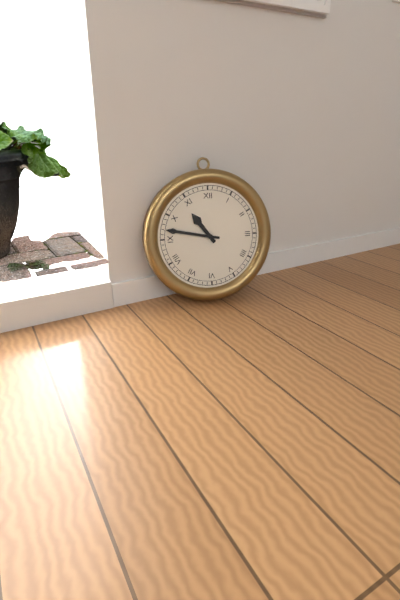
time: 10:47
